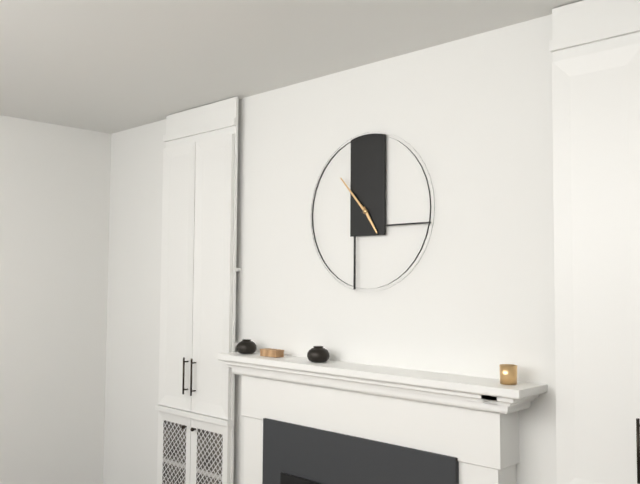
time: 4:53
